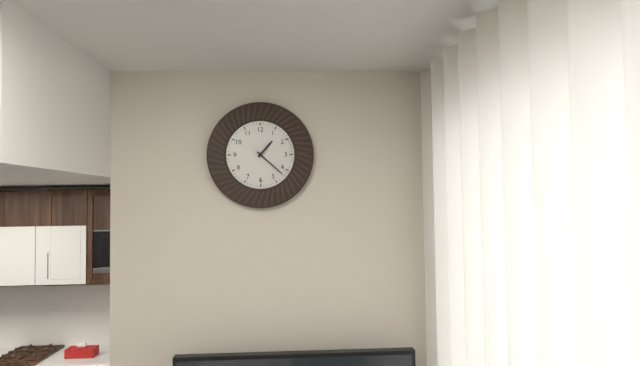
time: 1:22
